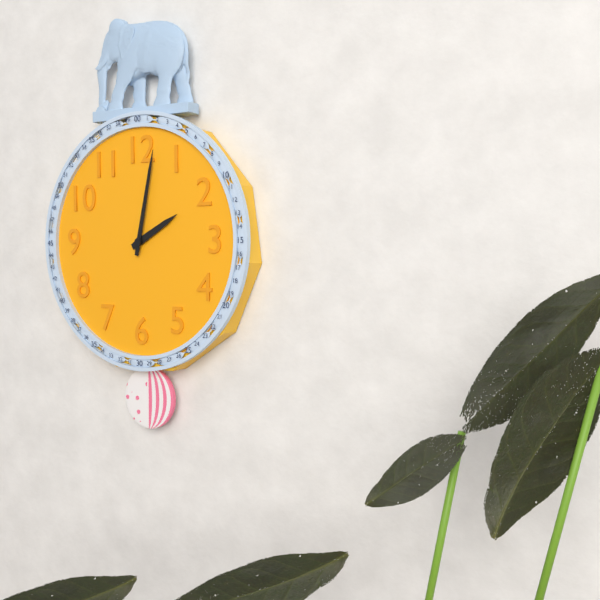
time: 2:02
